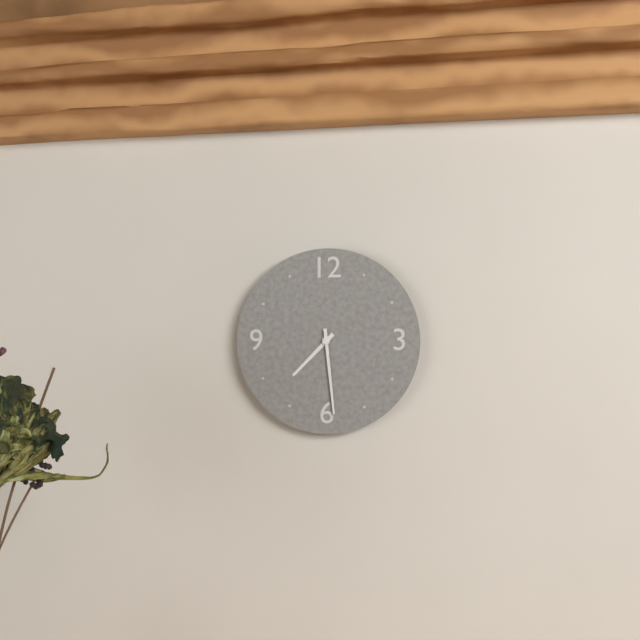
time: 7:29
